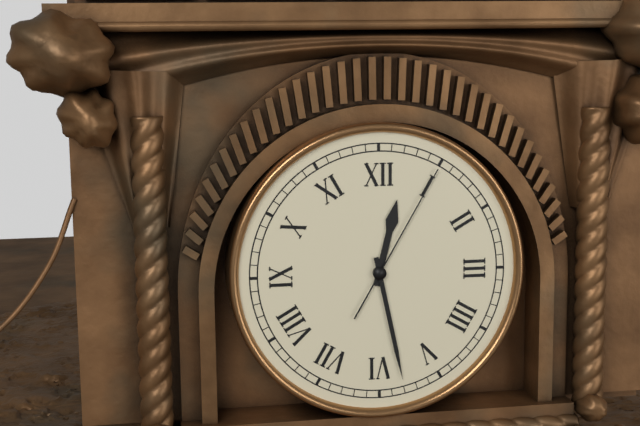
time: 12:28:05
